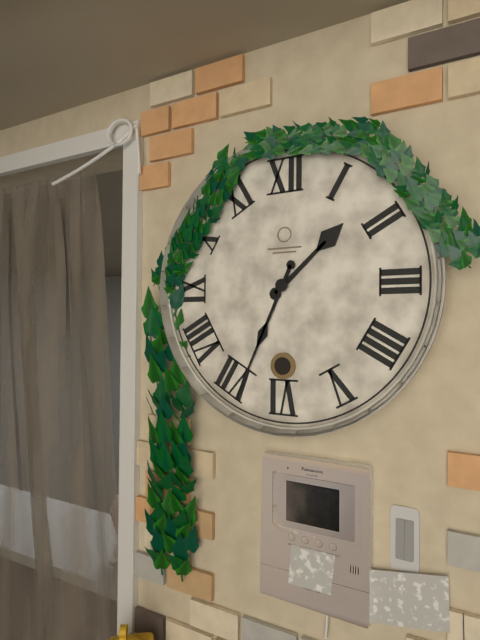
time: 1:34
